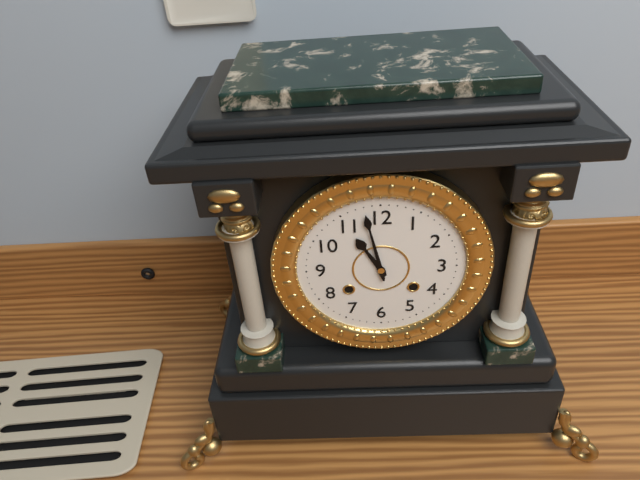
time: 10:58
